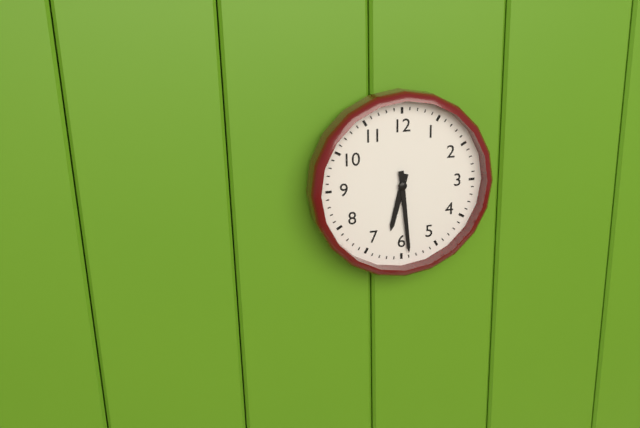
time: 6:29
